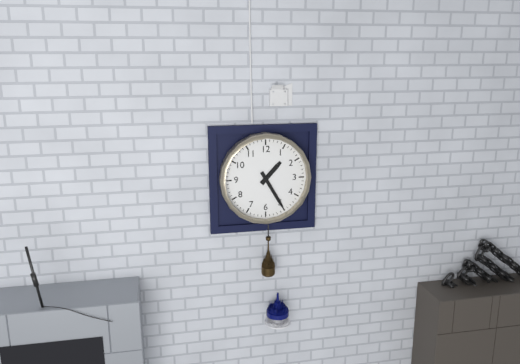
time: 1:25
